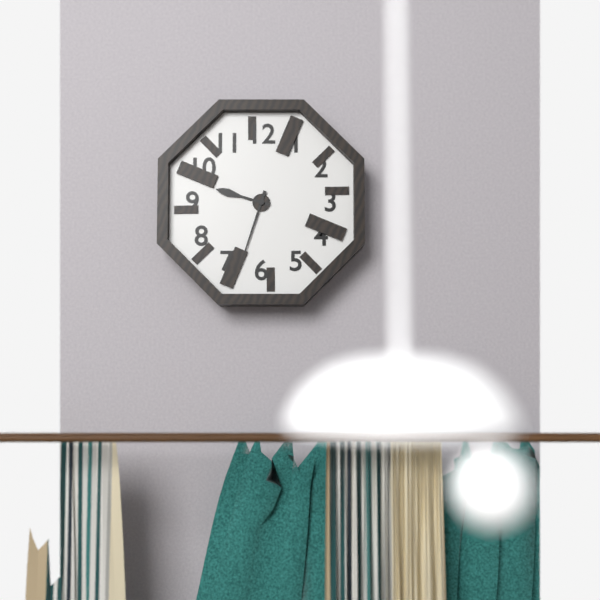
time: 9:33
